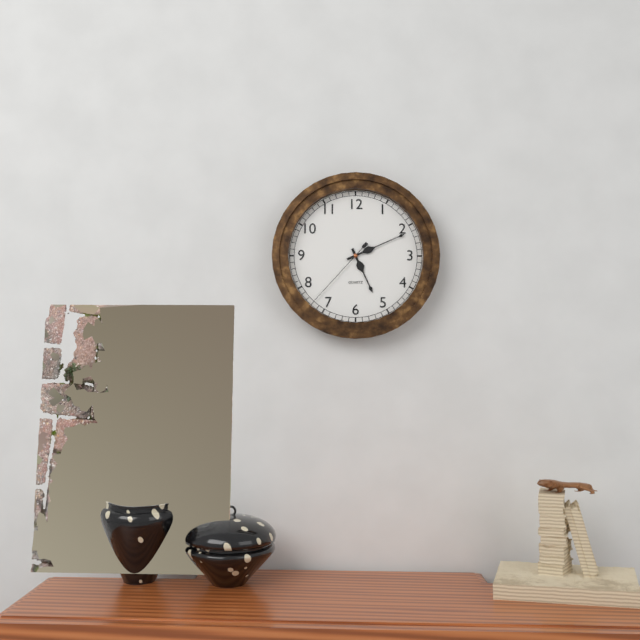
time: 5:11:37
